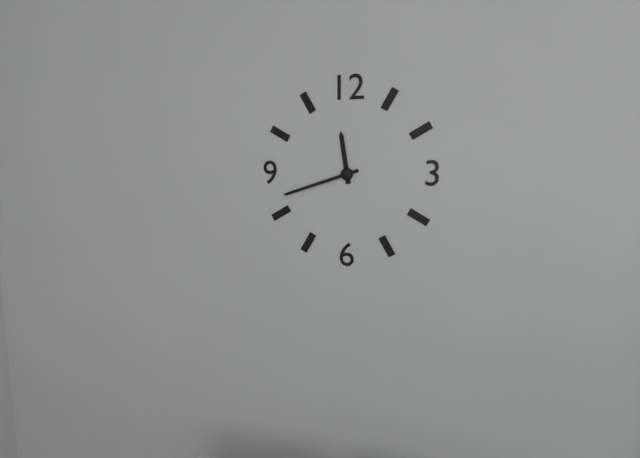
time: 11:42
